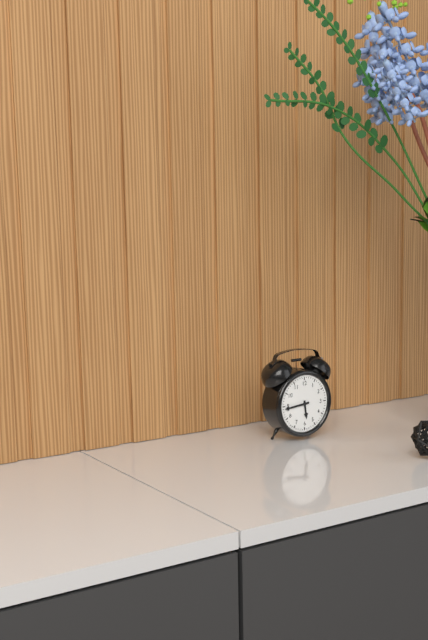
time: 5:44
